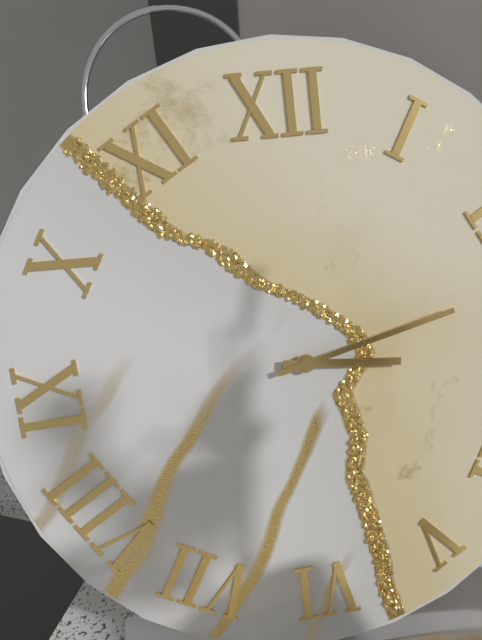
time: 3:13
